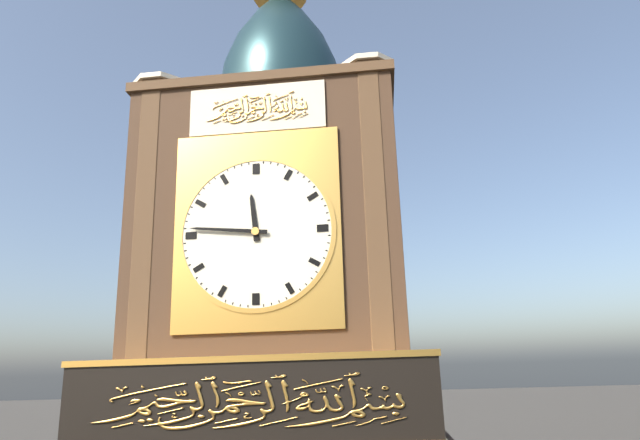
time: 11:46
